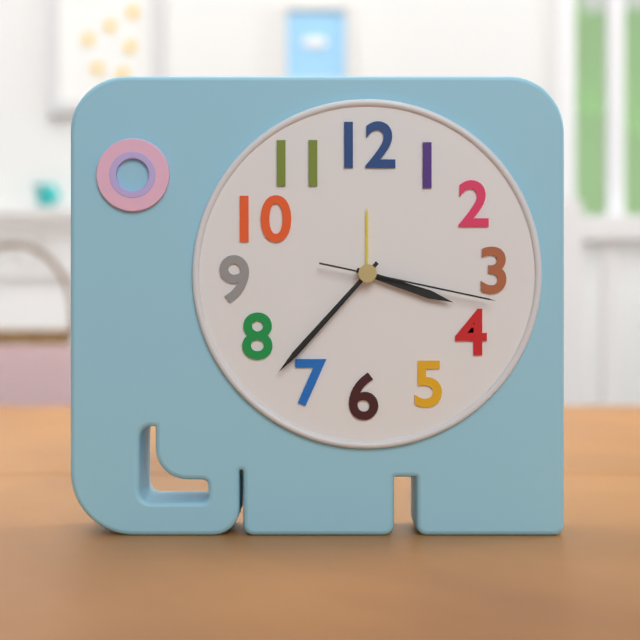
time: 3:37:17
